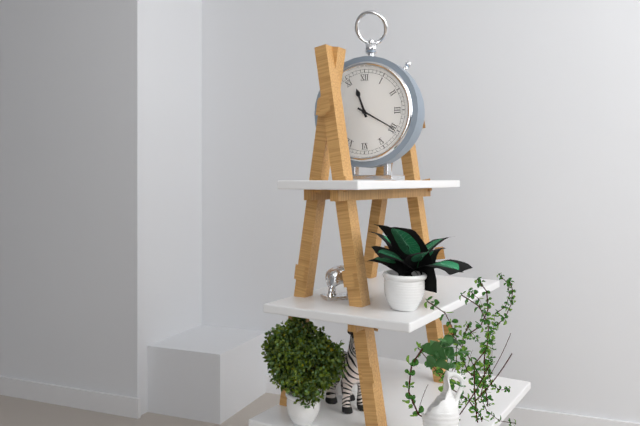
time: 11:20
